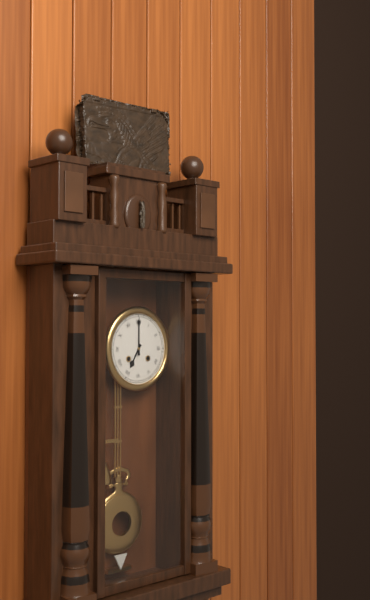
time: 7:00
